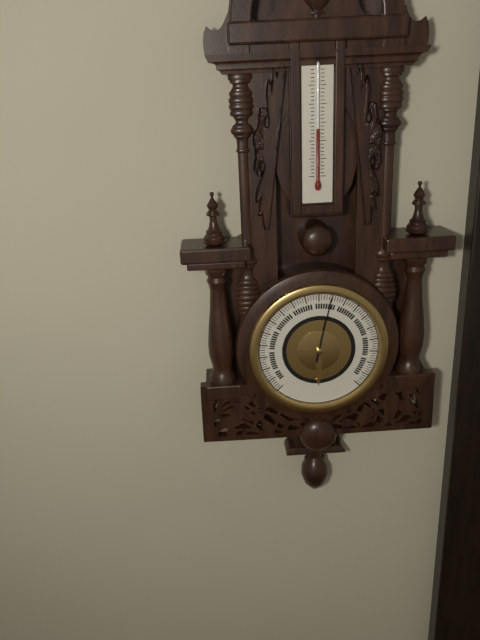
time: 6:02
